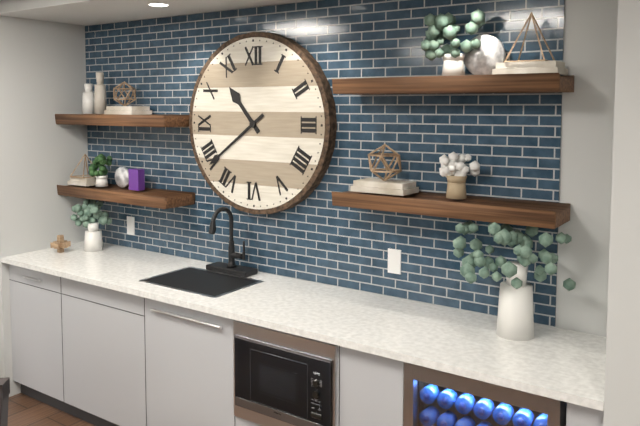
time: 10:39
